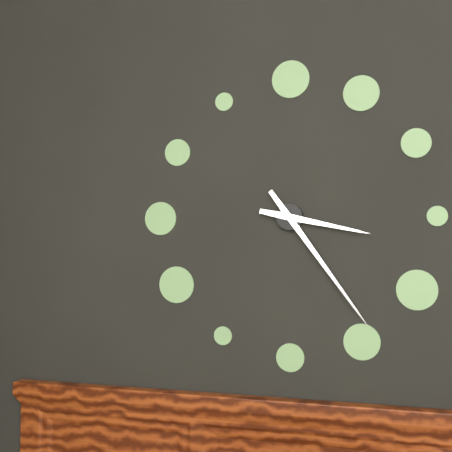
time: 3:24
